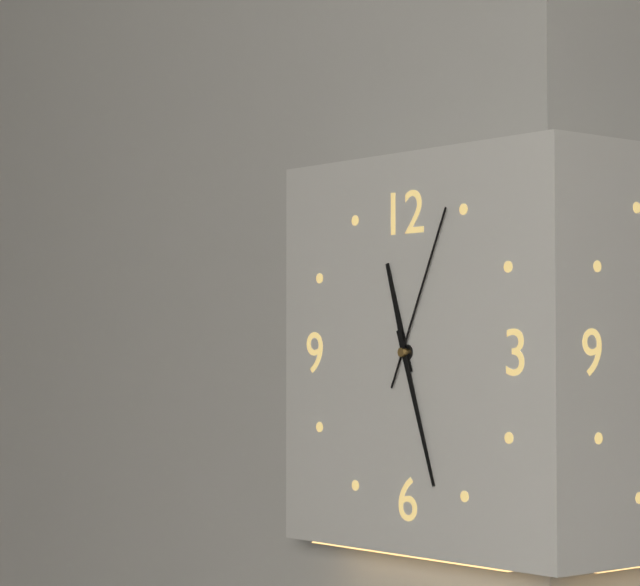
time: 11:27:04
